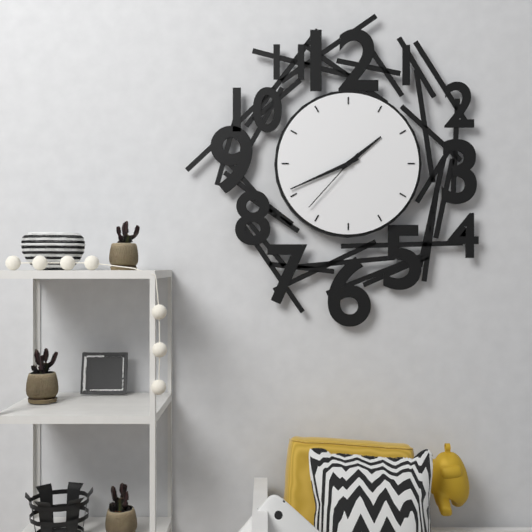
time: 1:41:37
